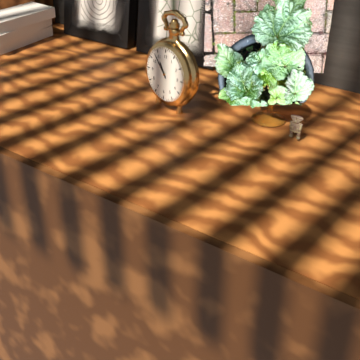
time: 10:53
